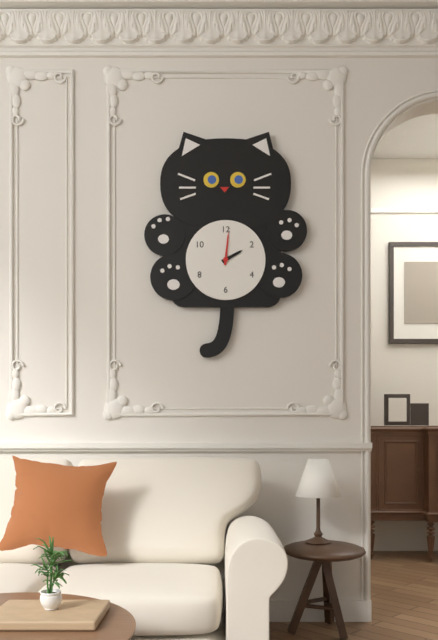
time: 2:01
